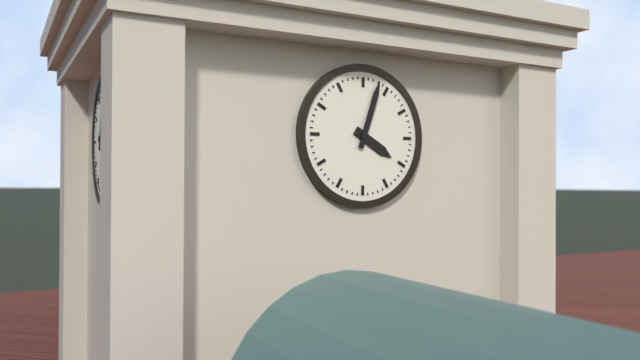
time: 4:03
